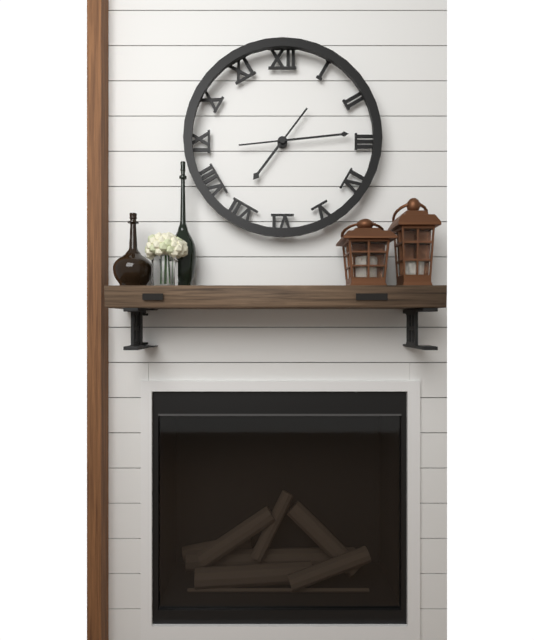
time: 7:14
